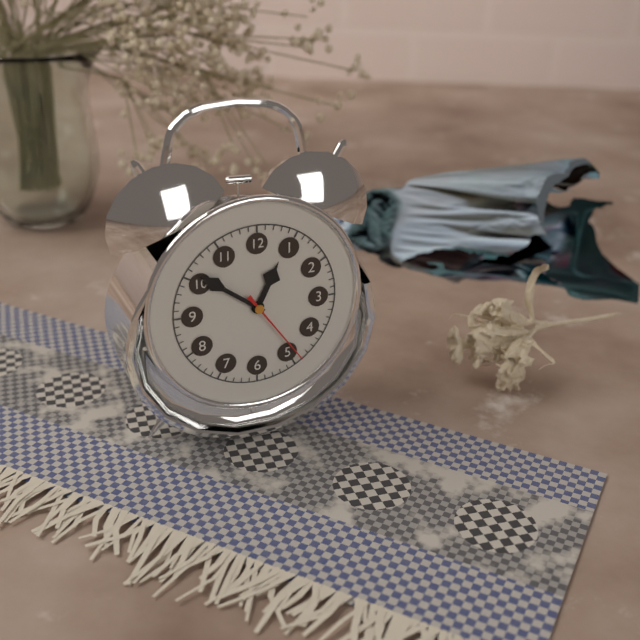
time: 12:51:24
